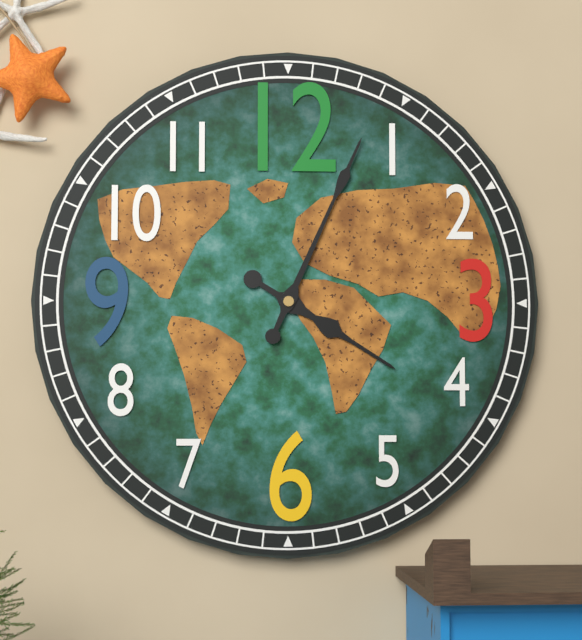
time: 4:04
